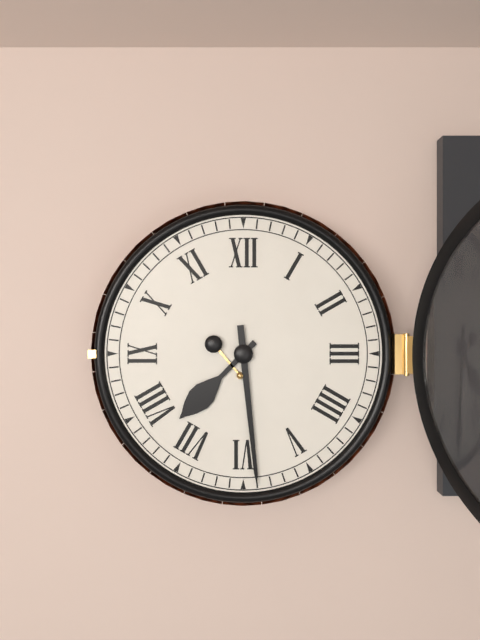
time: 7:29
